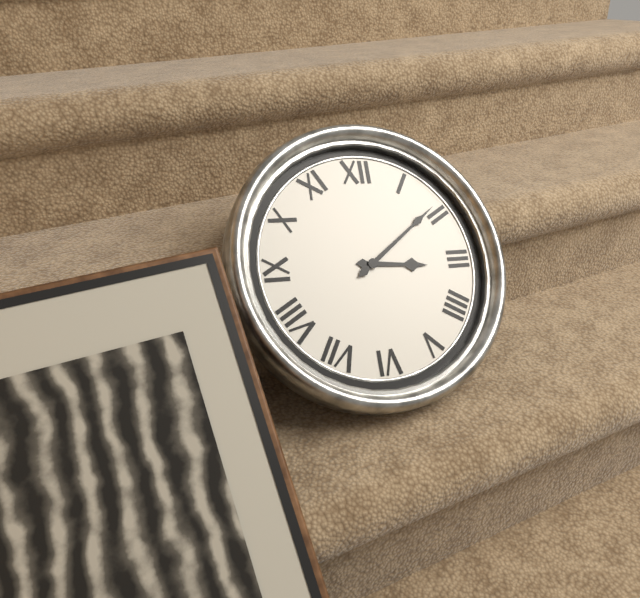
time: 3:09
